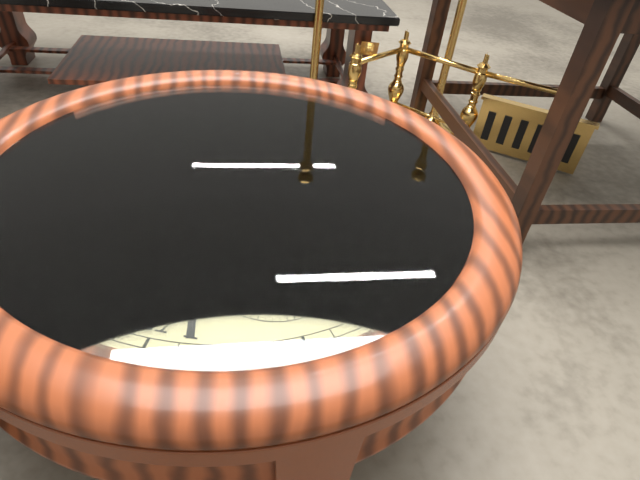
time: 6:24:58
